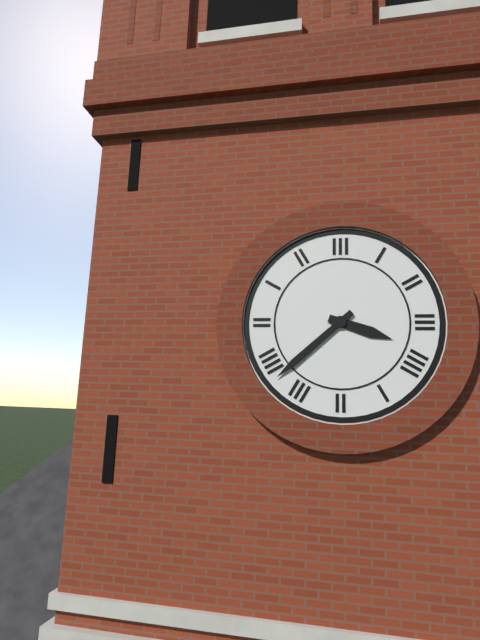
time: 3:38
